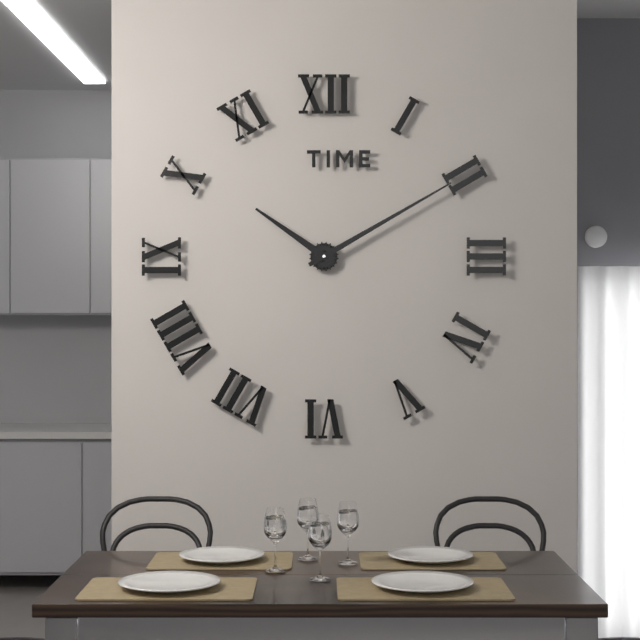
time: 10:10
